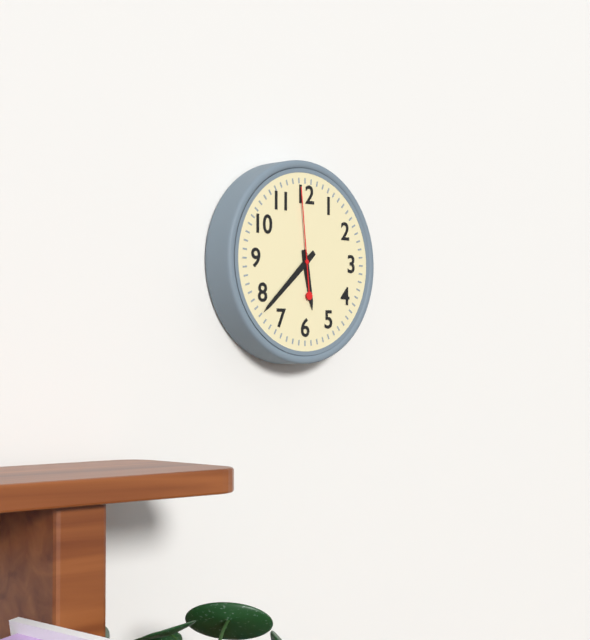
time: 5:38:59
